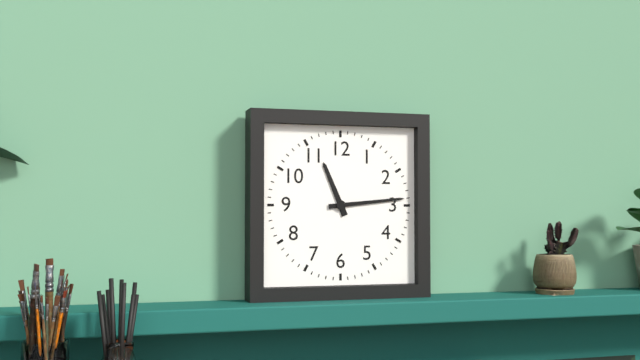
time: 11:14
